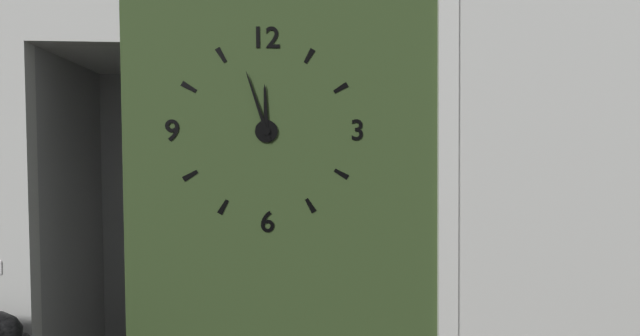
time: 11:57
